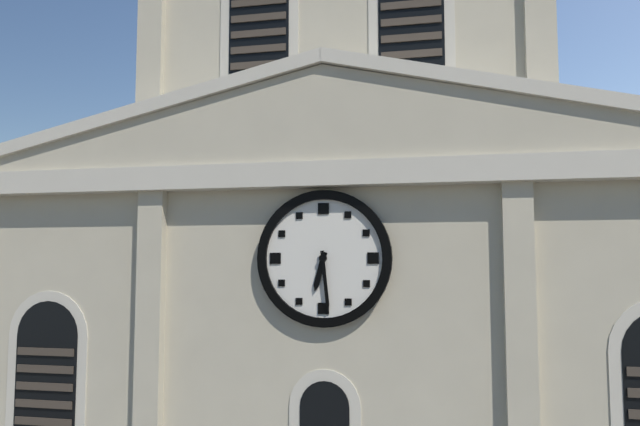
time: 6:29
